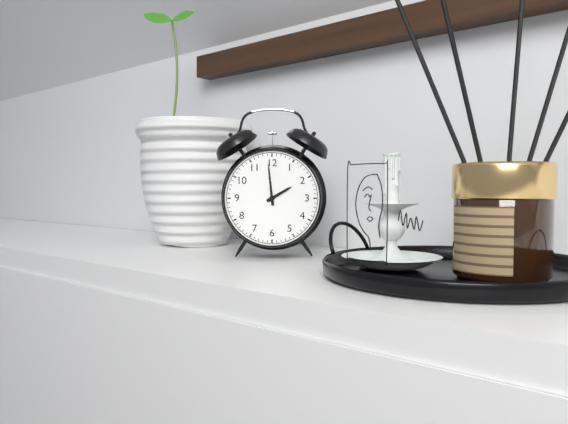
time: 1:59
